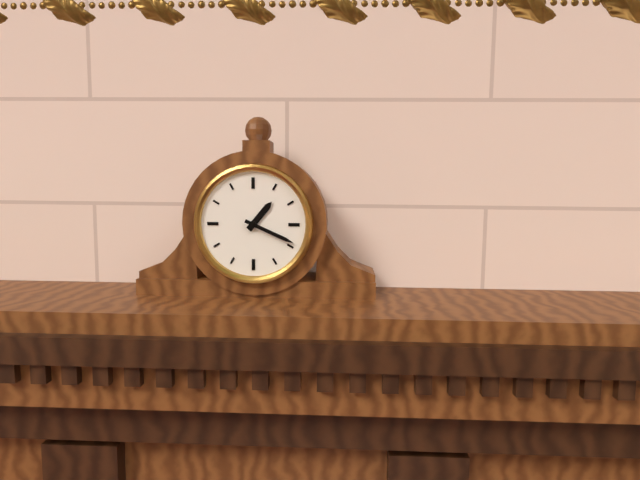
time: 1:19
